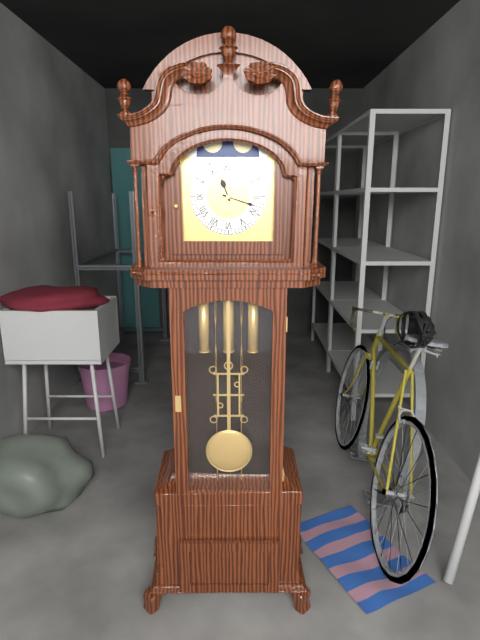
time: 11:18
